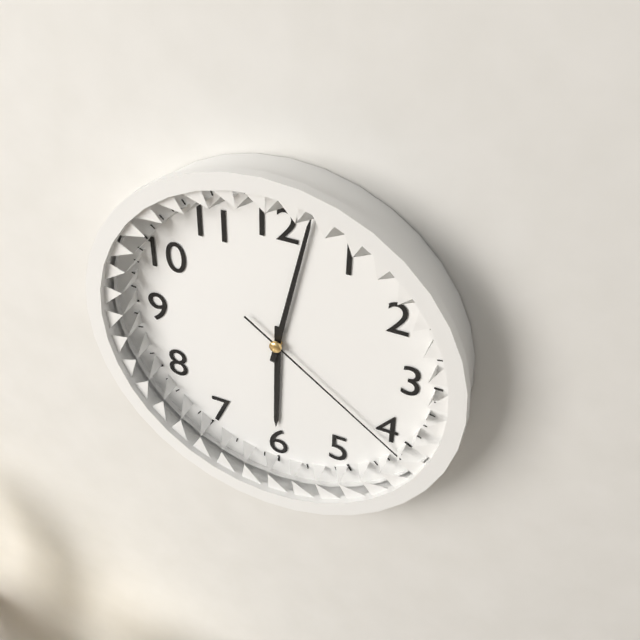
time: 6:02:21
